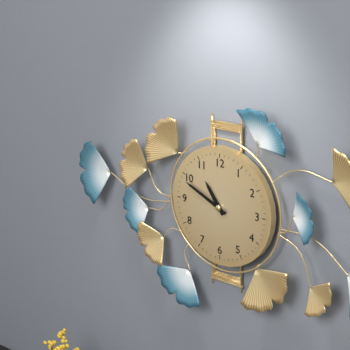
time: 10:49
